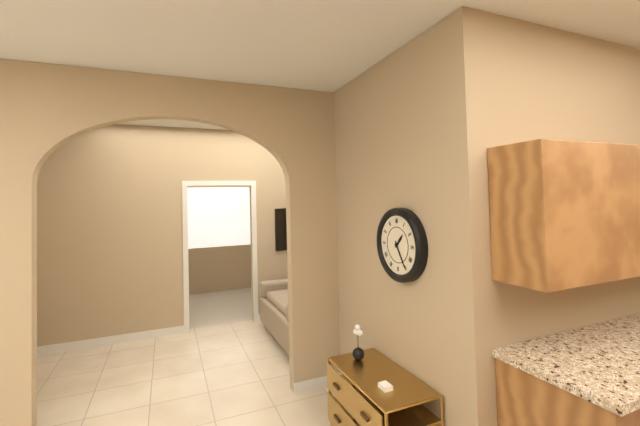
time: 1:25
